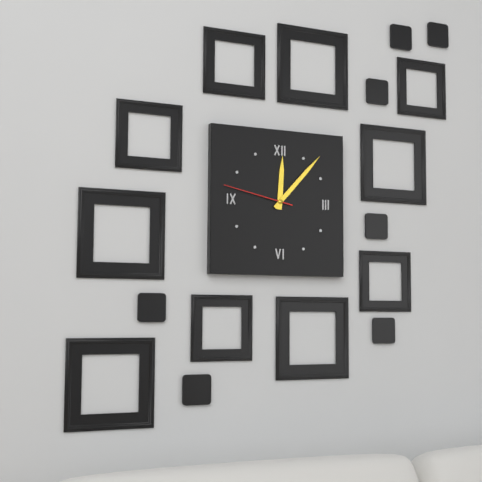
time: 12:07:47
